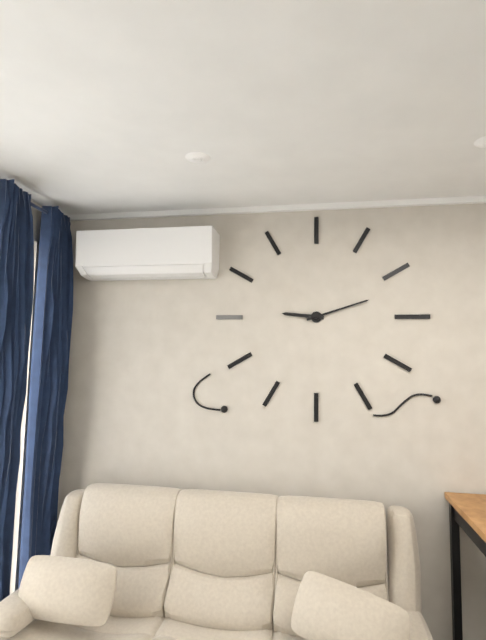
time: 9:12
